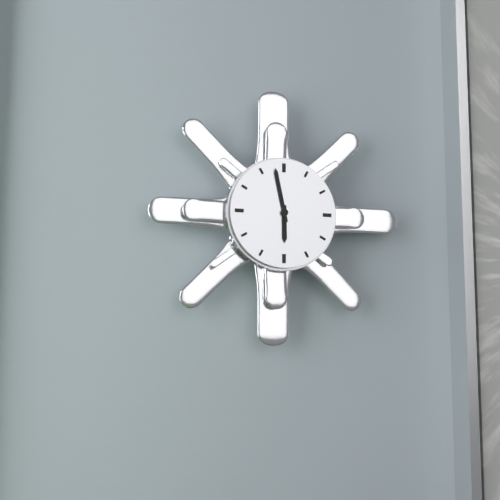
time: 5:58
